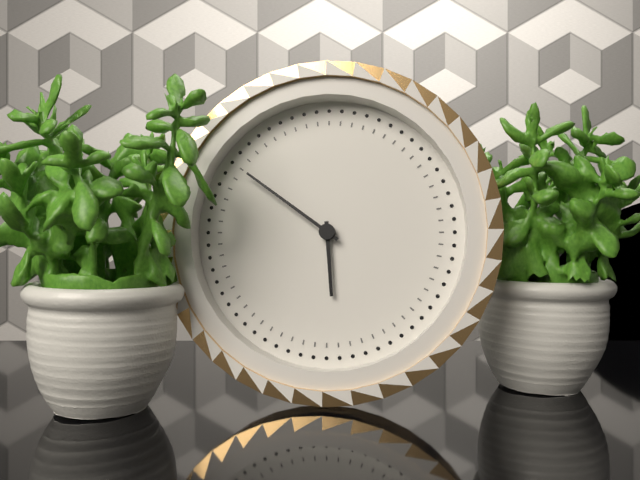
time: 5:51
